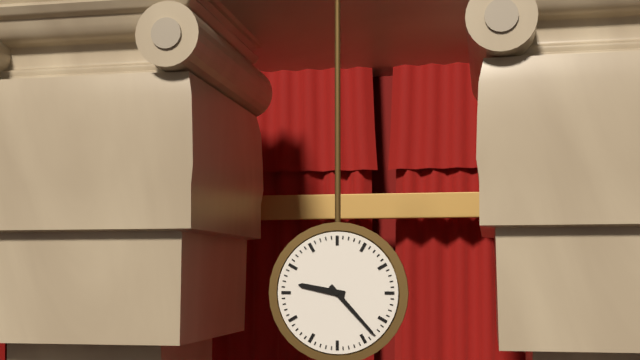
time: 9:23
